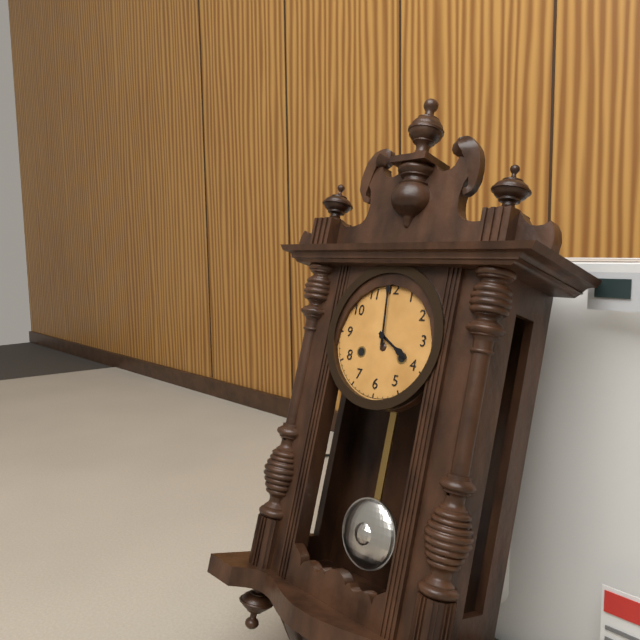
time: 3:59
